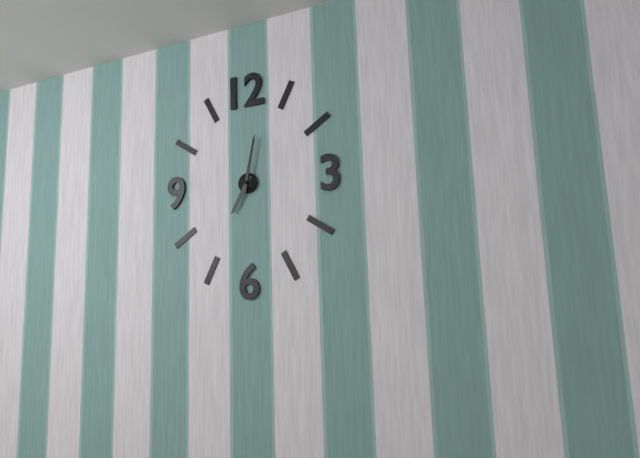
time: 7:02
